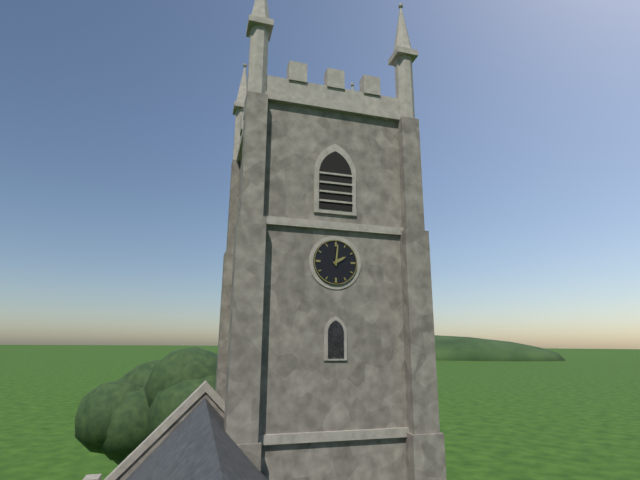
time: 2:01
